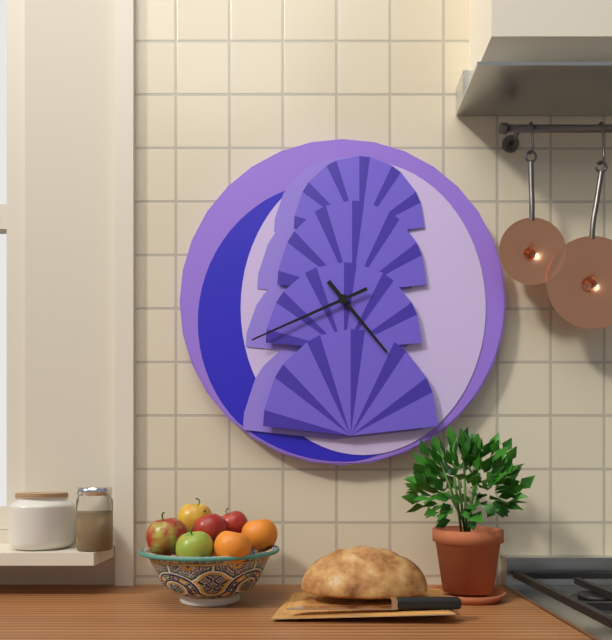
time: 4:41
